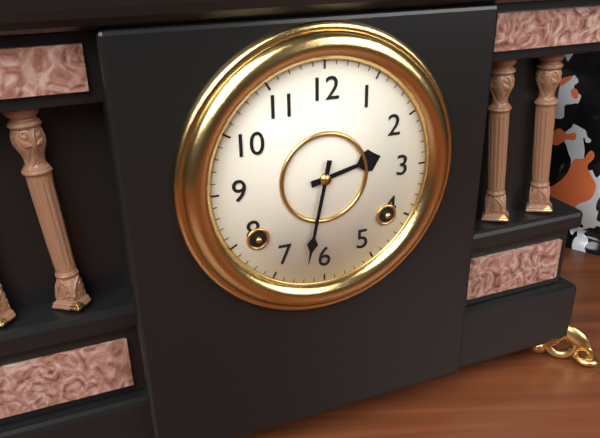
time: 2:32
